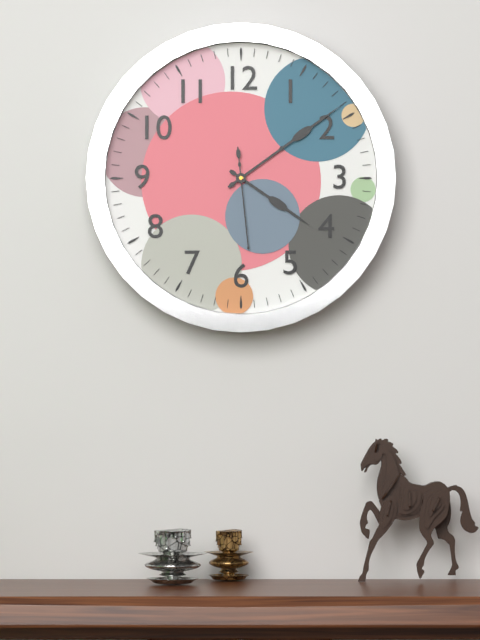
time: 4:09:29
